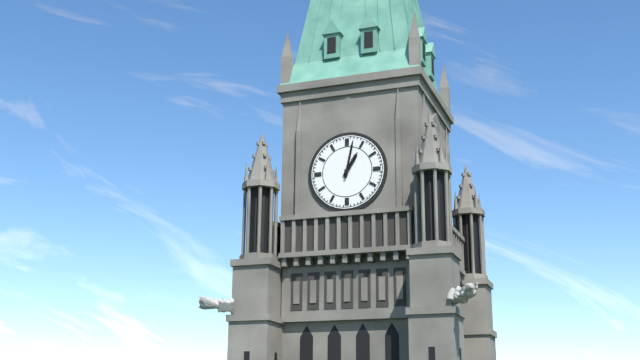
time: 1:02
